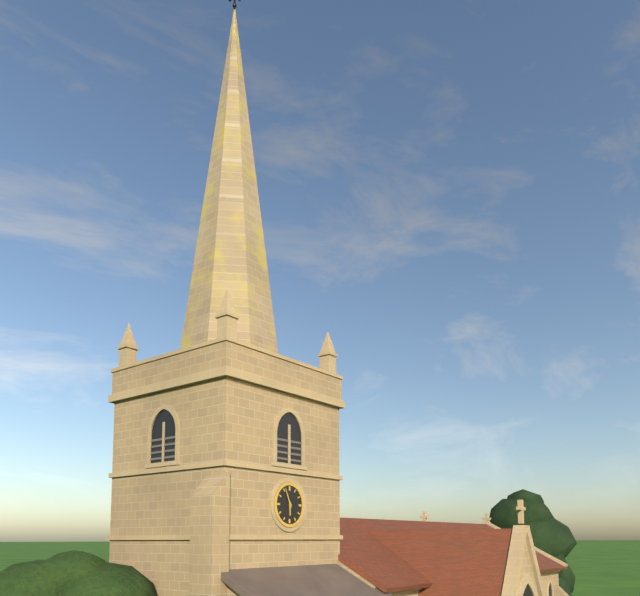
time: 5:56
